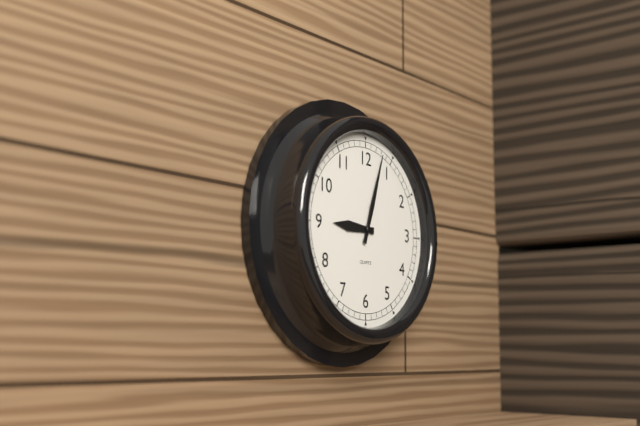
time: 9:03
